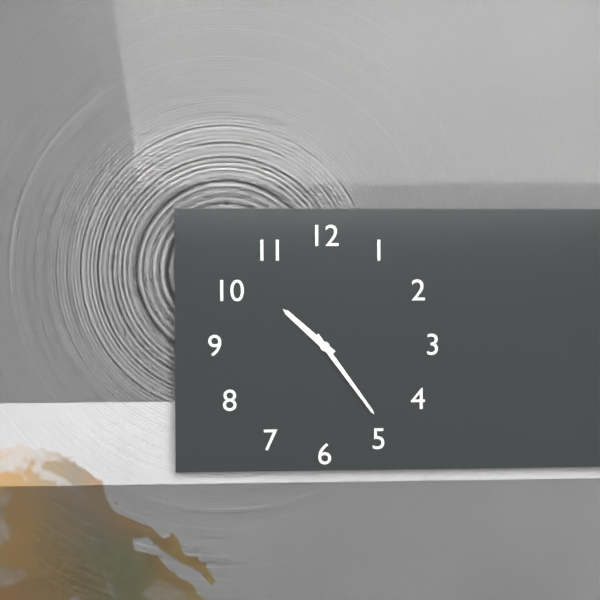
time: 10:24
